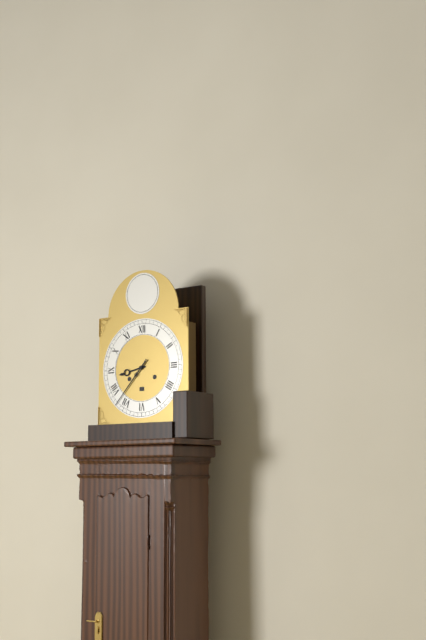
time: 8:37
